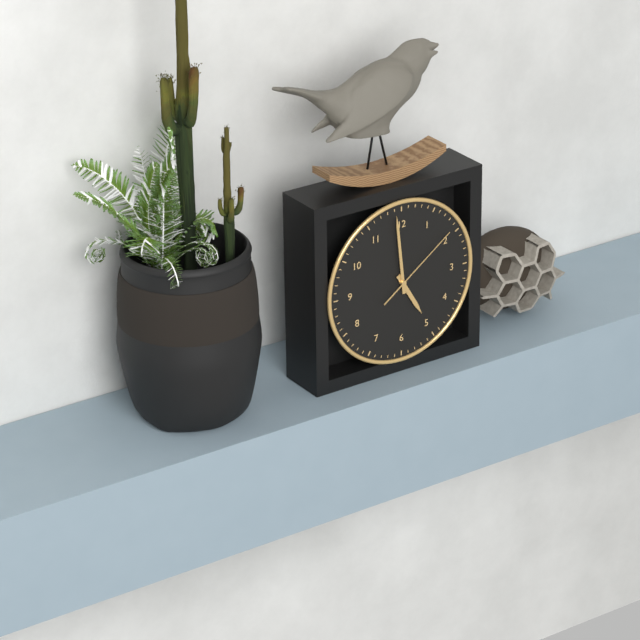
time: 4:59:09
